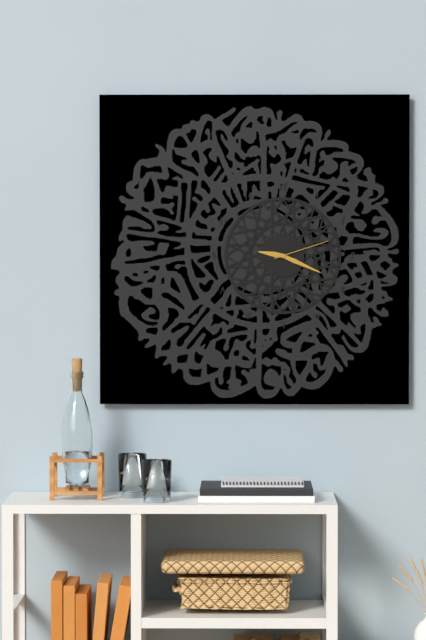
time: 9:19:12
